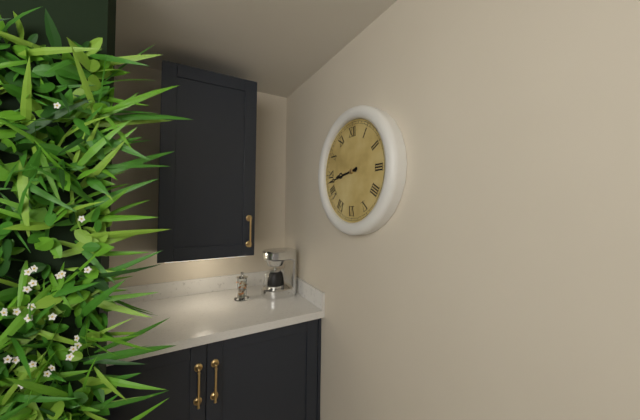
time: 8:43
